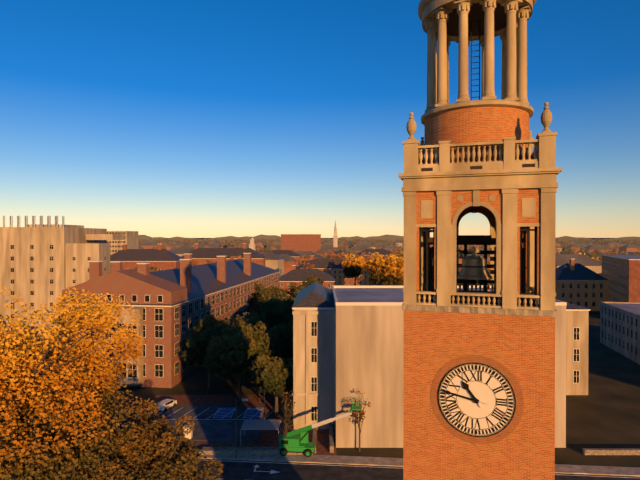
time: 10:47
